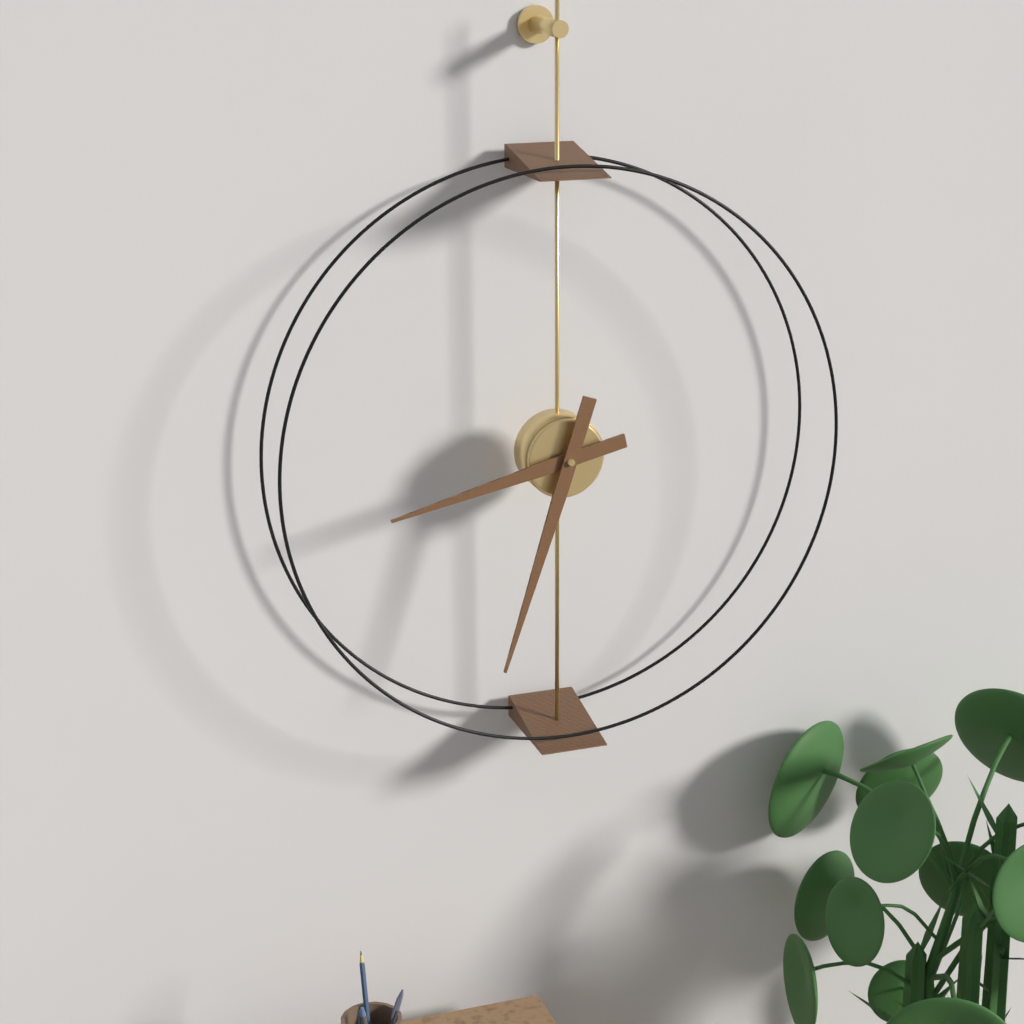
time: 8:33
